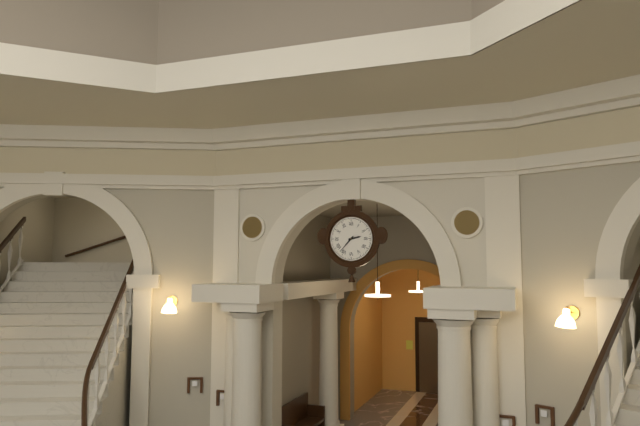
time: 2:37
